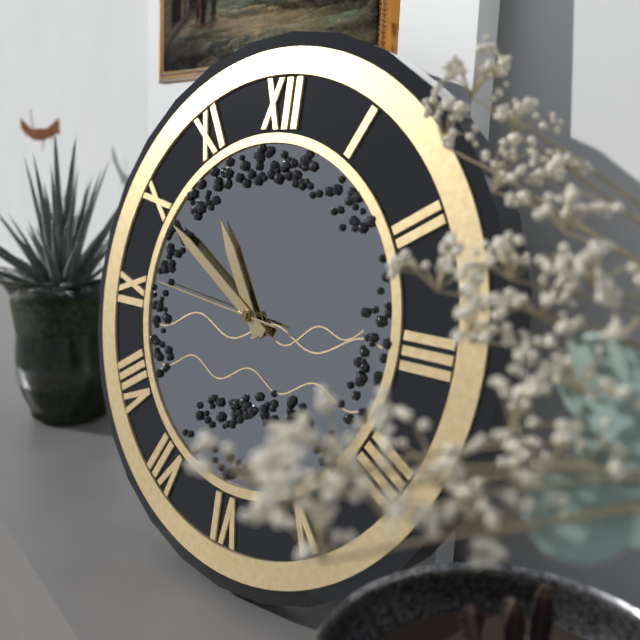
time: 10:50:46
